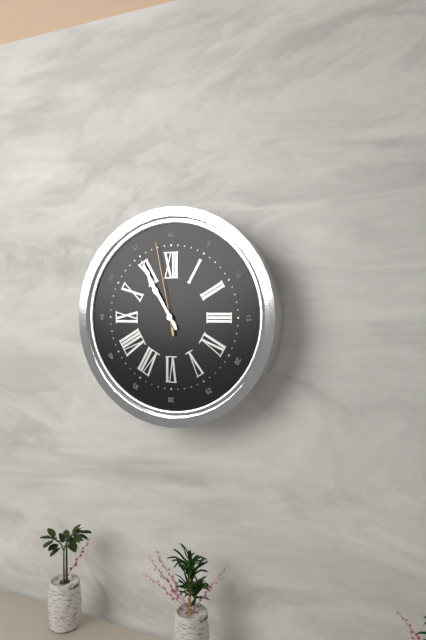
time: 10:55:58
